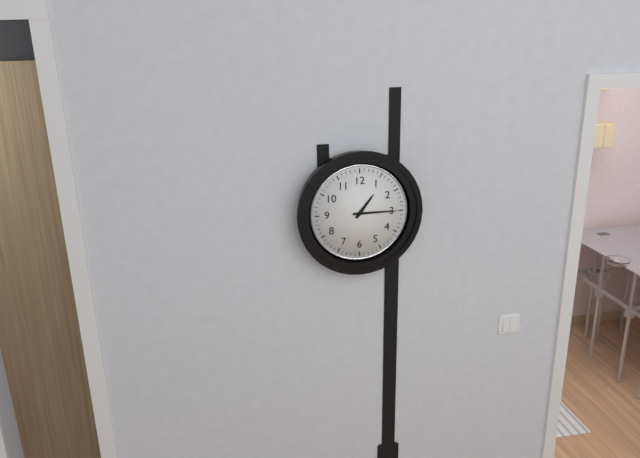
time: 1:15
